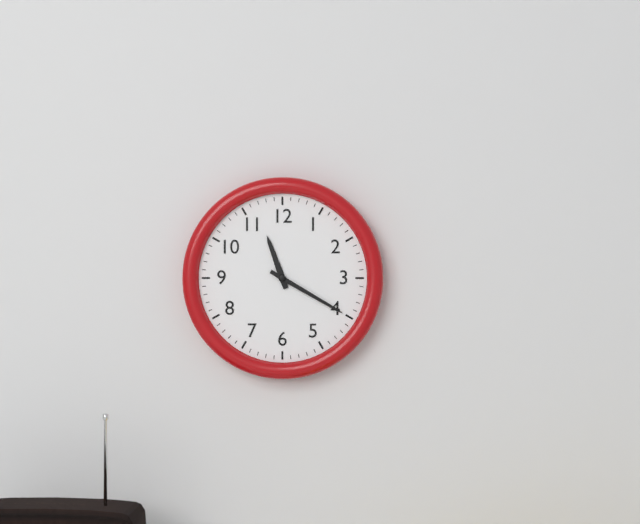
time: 11:20
